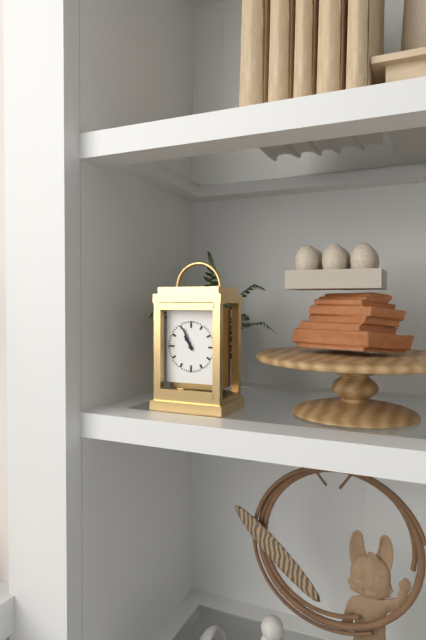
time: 10:56
